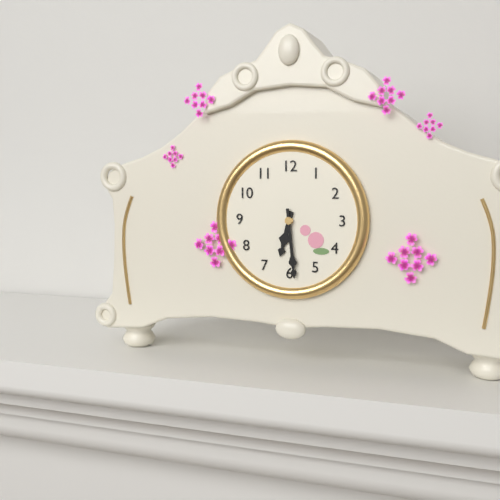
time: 6:29
